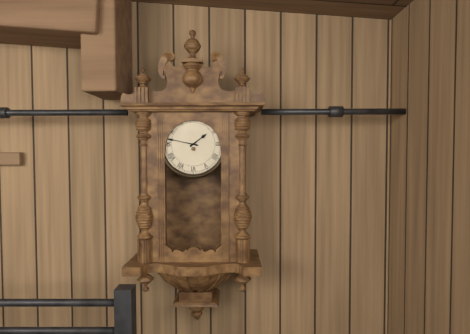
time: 1:47
